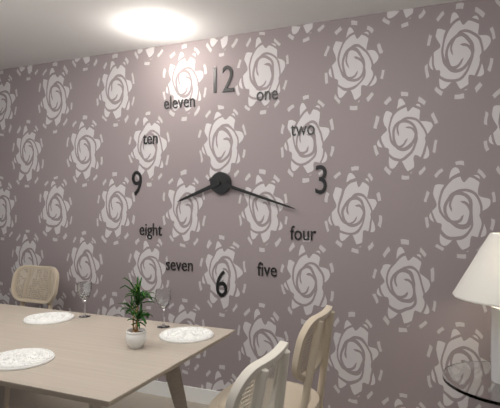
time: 8:18
